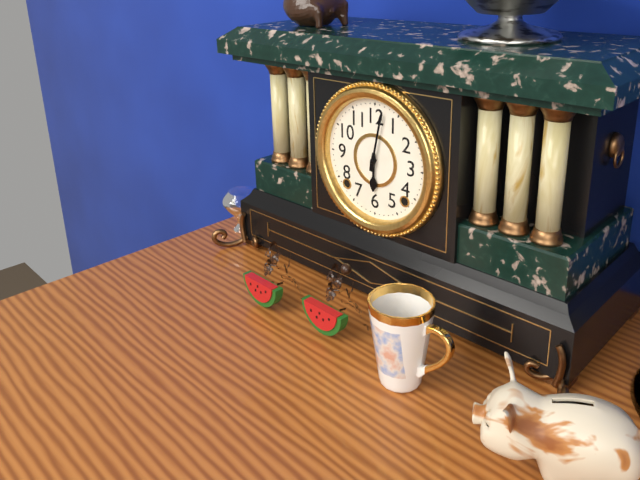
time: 6:02
